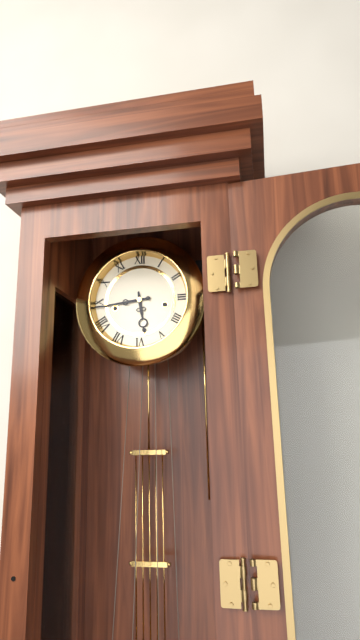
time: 5:44
